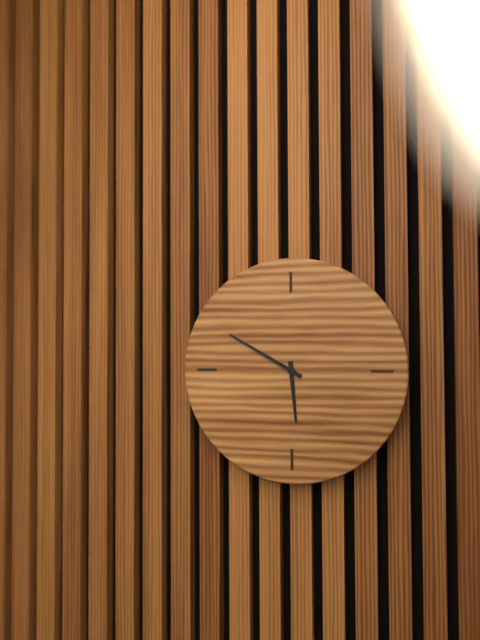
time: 5:50
